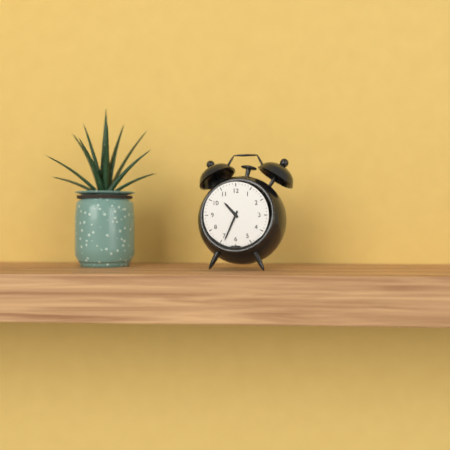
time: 10:34
